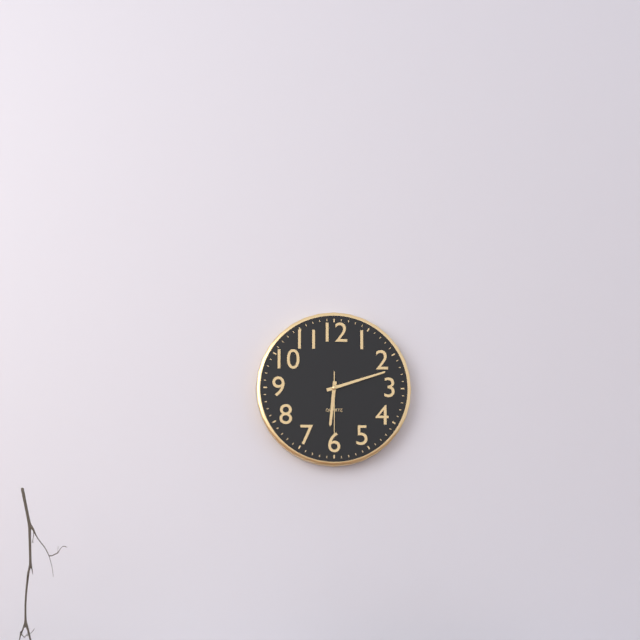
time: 6:12:30
